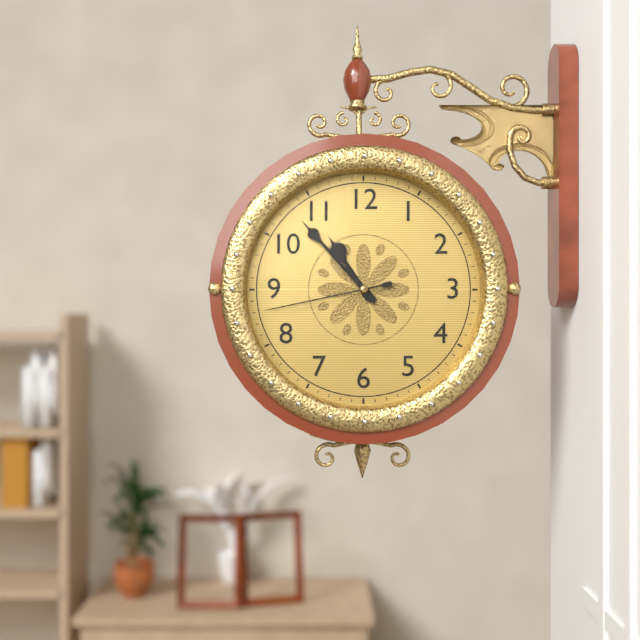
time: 10:53:43
